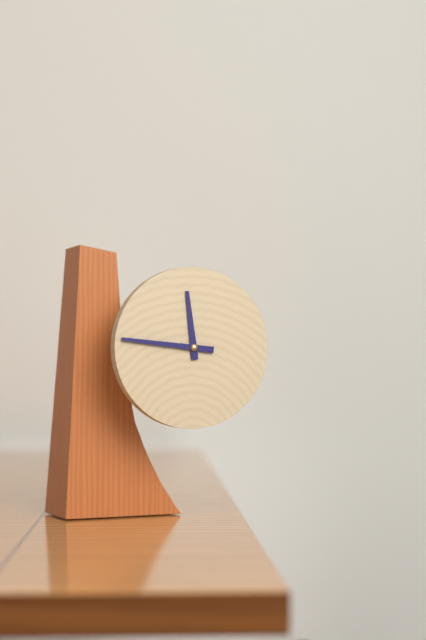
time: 11:46
